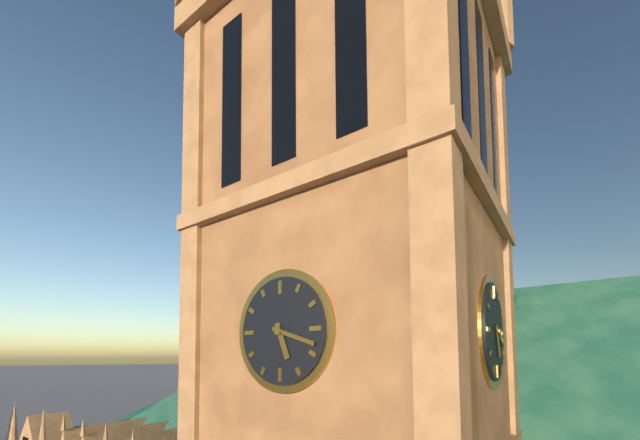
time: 5:18
